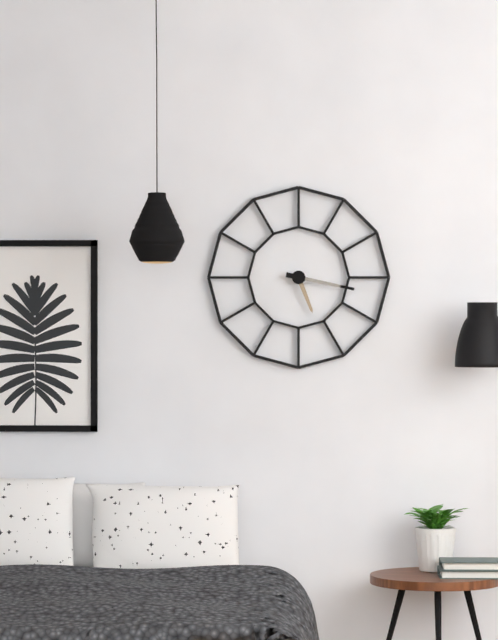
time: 5:17
